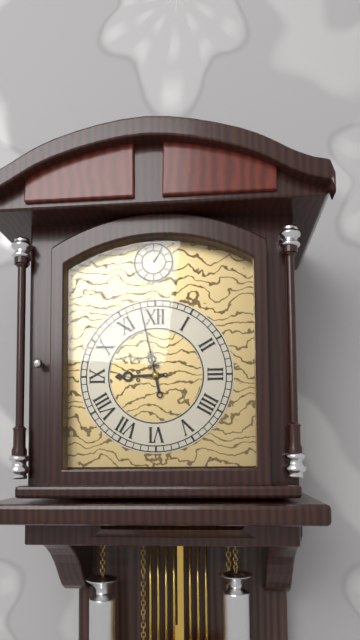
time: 8:58
